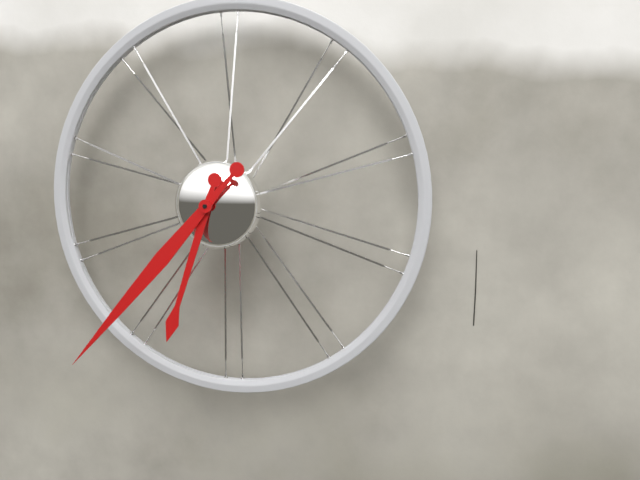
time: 6:37
